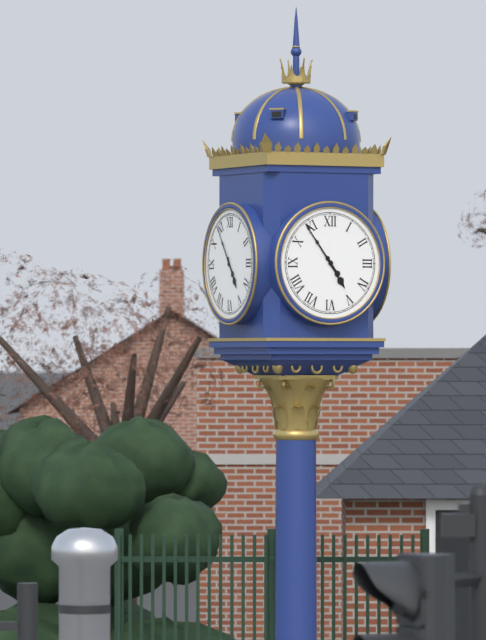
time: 4:54
